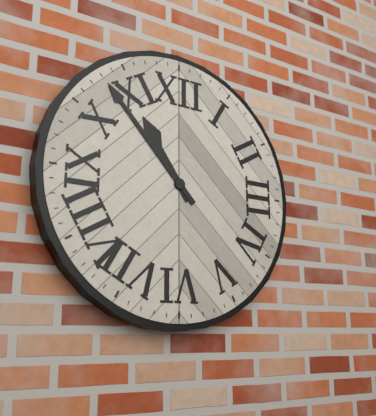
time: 10:53
